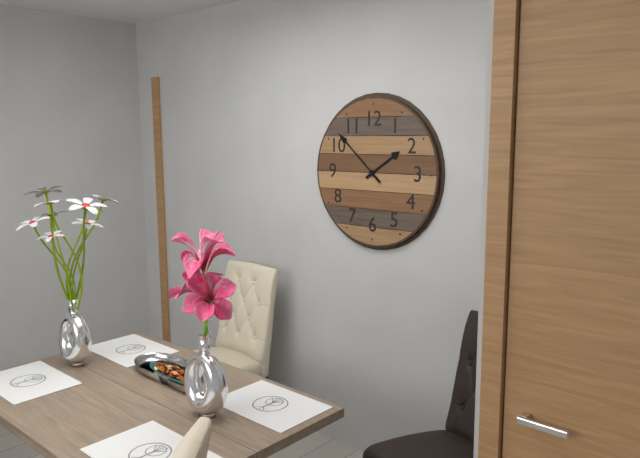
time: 1:52
